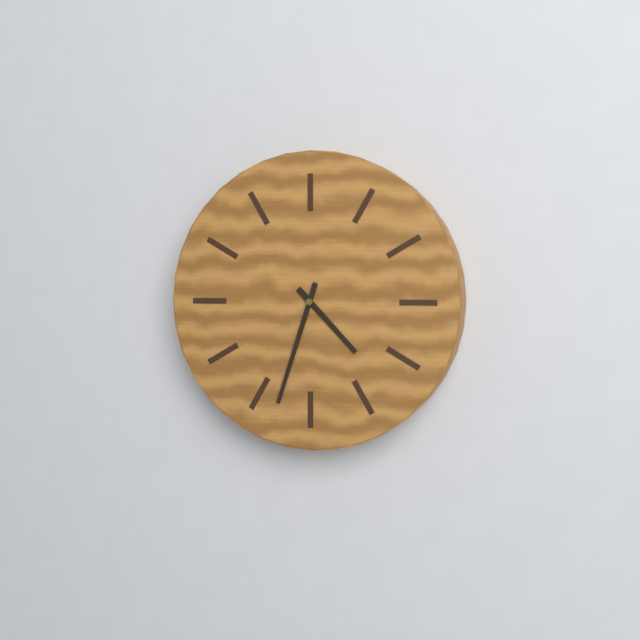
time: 4:33
